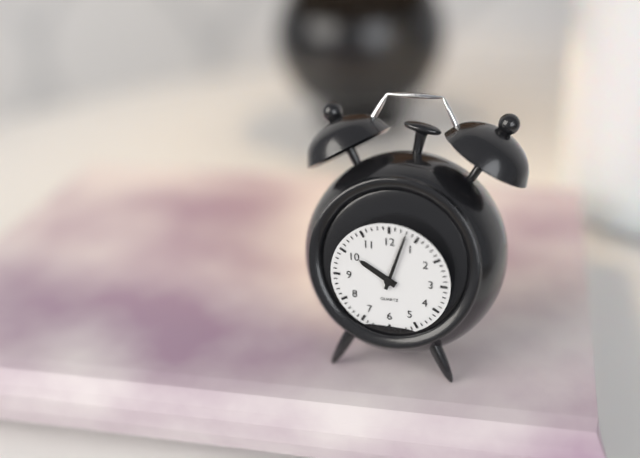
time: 10:03
